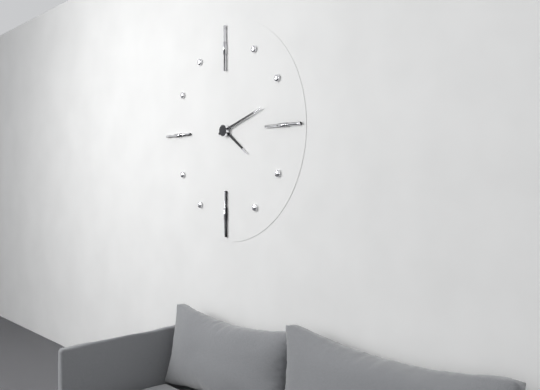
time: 4:12
